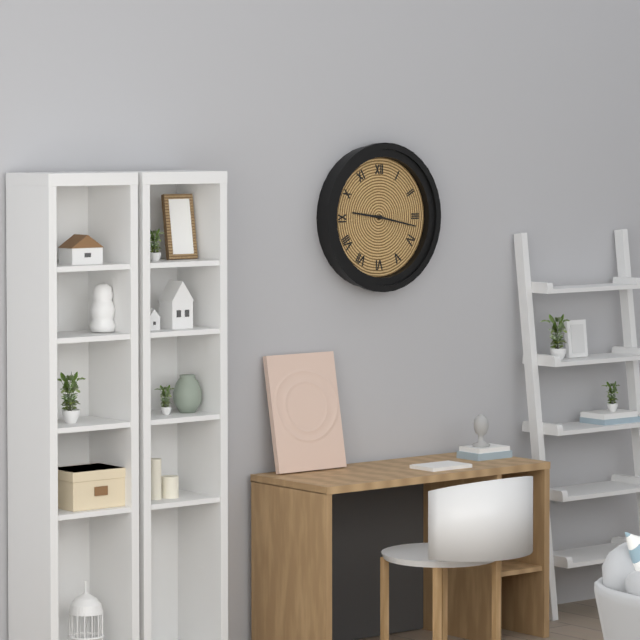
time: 9:17
